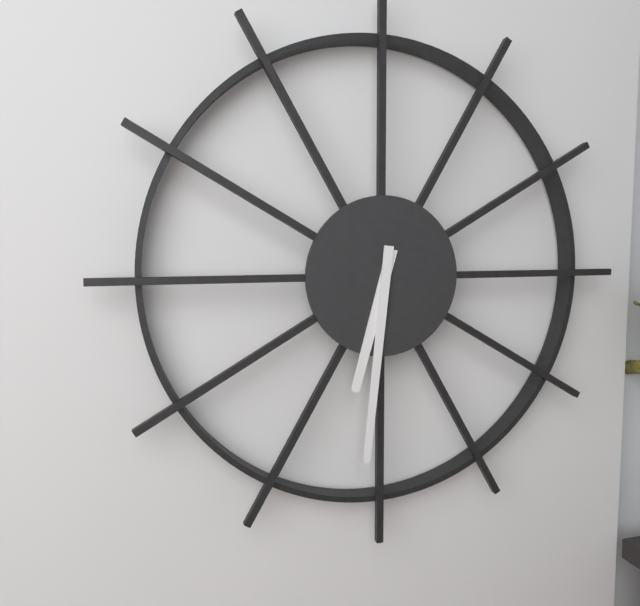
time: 6:31
